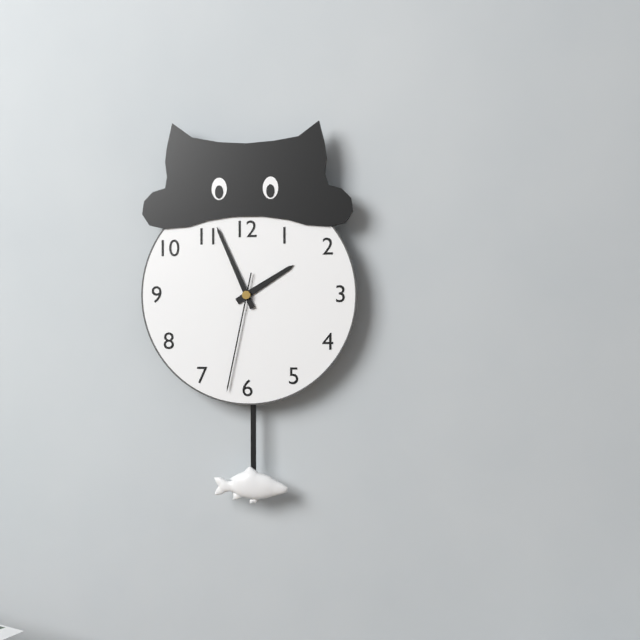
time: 1:56:32
